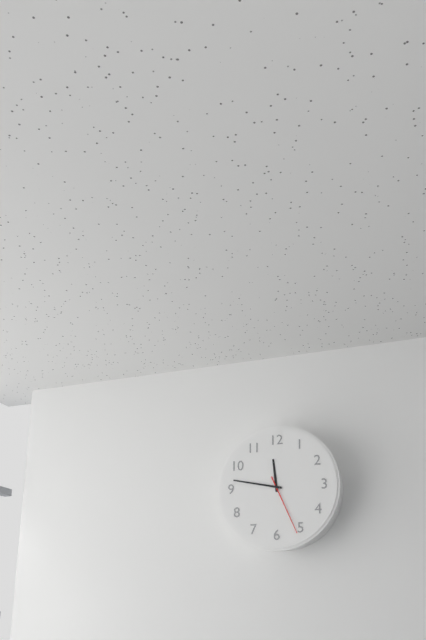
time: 11:47:26
